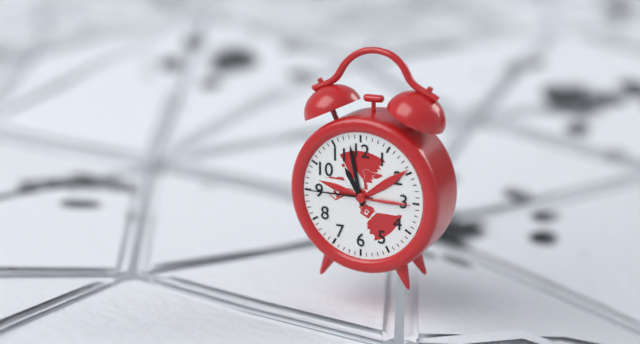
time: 10:58:45
